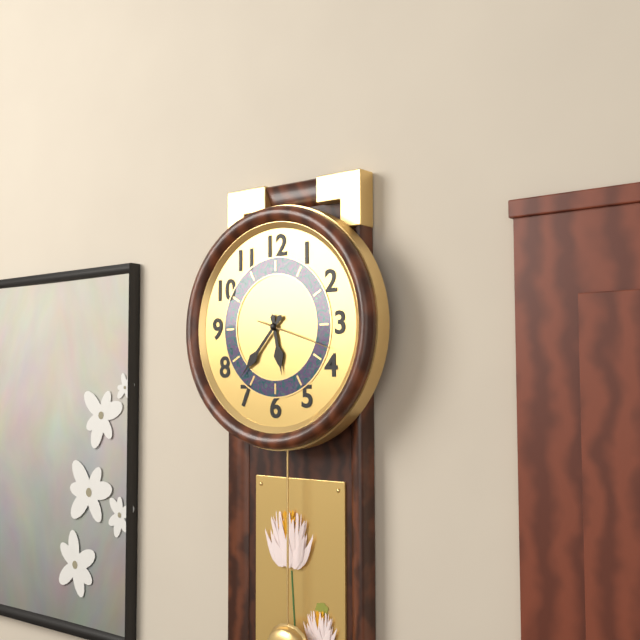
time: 5:37:18
